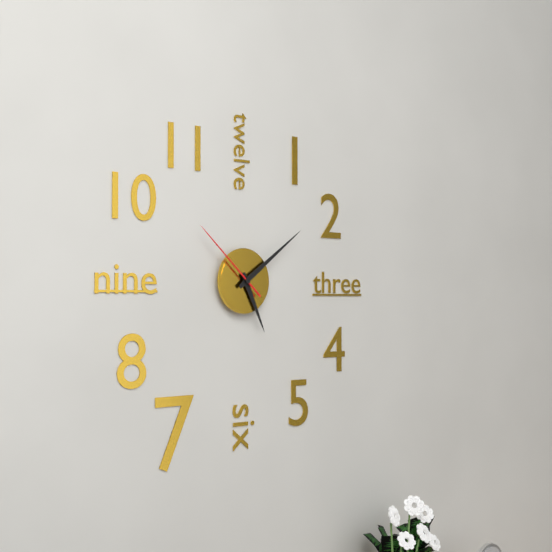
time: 5:09:52
